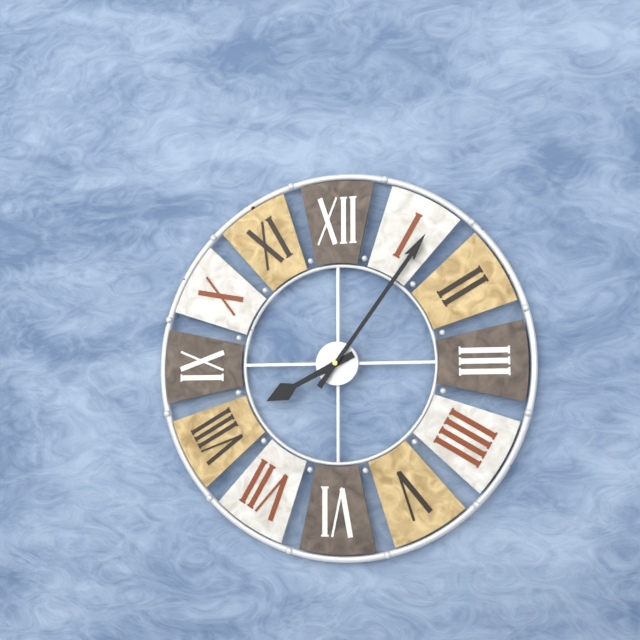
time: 8:06
